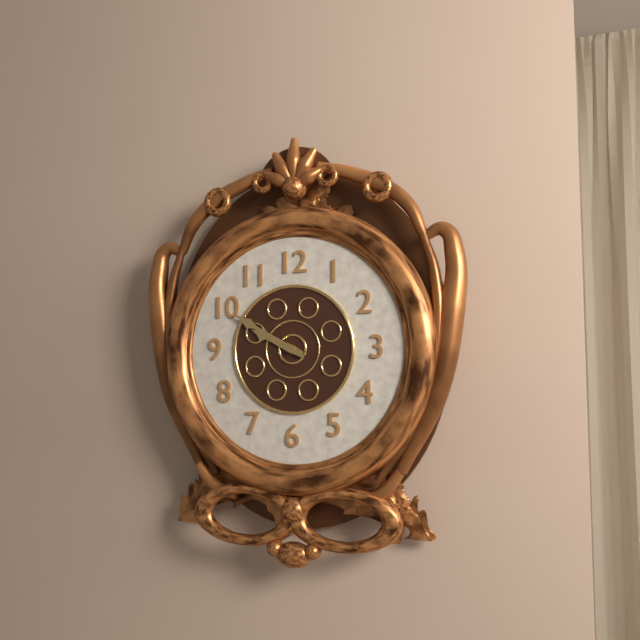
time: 9:50
